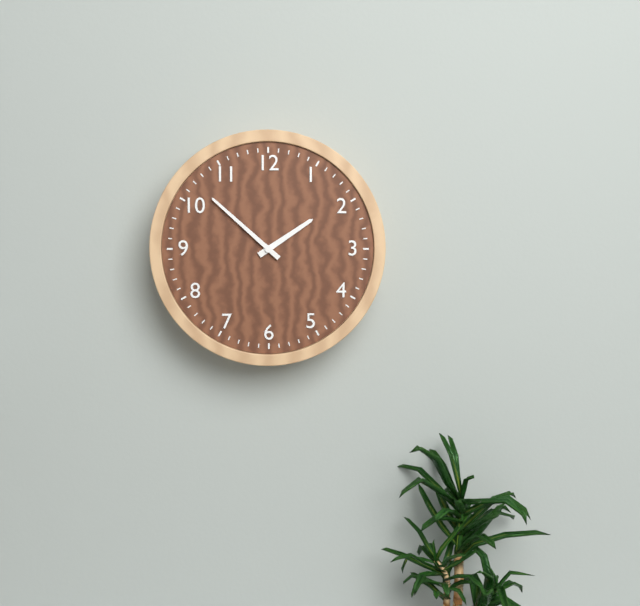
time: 1:52
